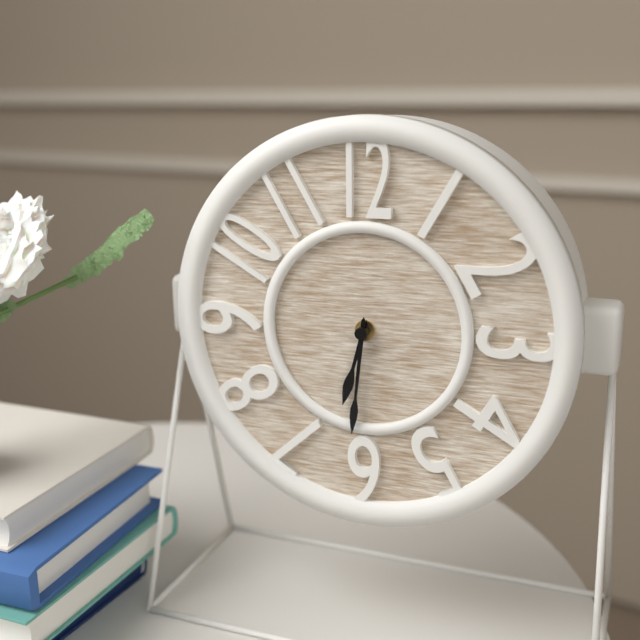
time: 6:31
